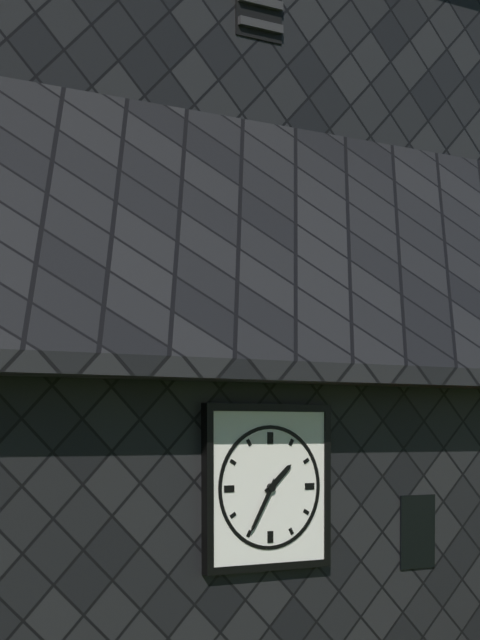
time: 1:35
